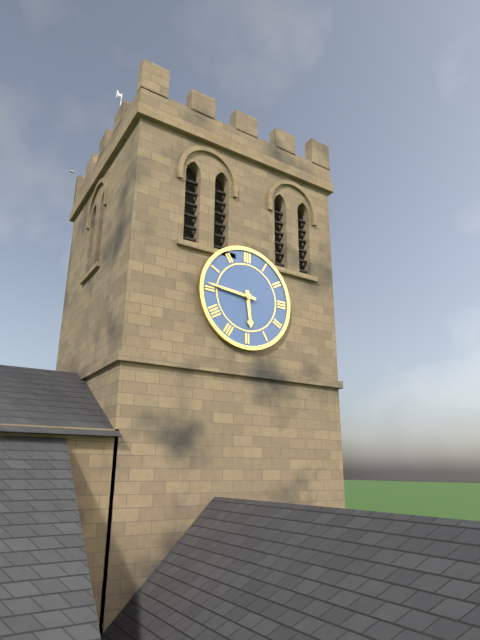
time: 5:46
